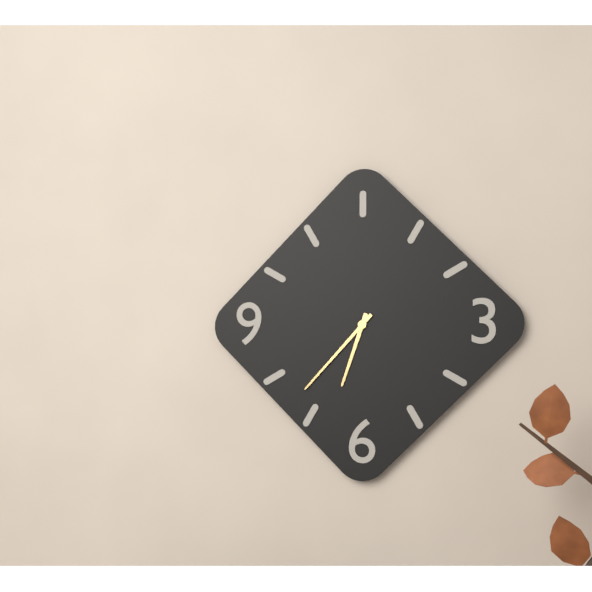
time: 6:37
